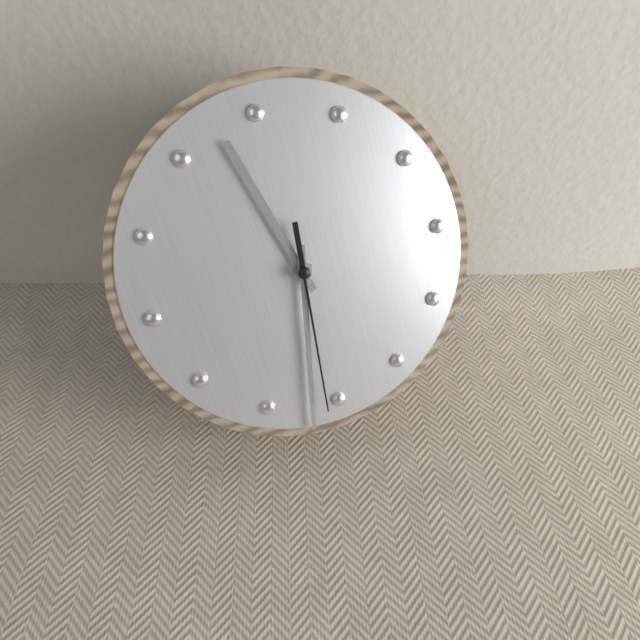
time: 11:32:31
